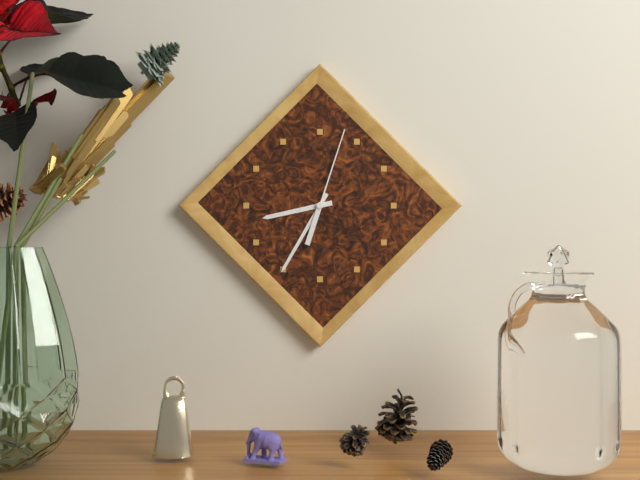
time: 8:35:03
